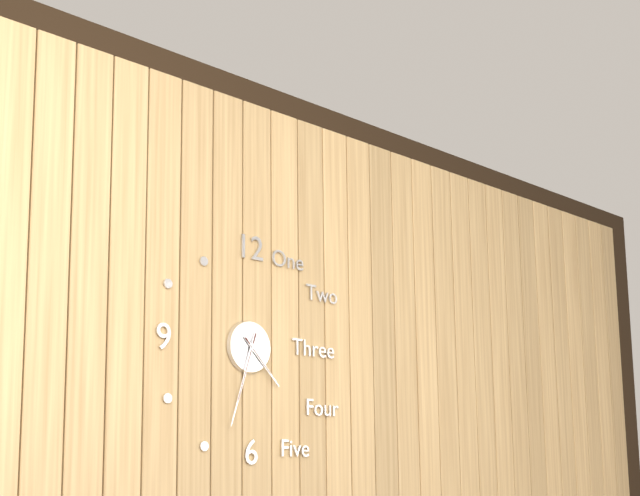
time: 4:33
